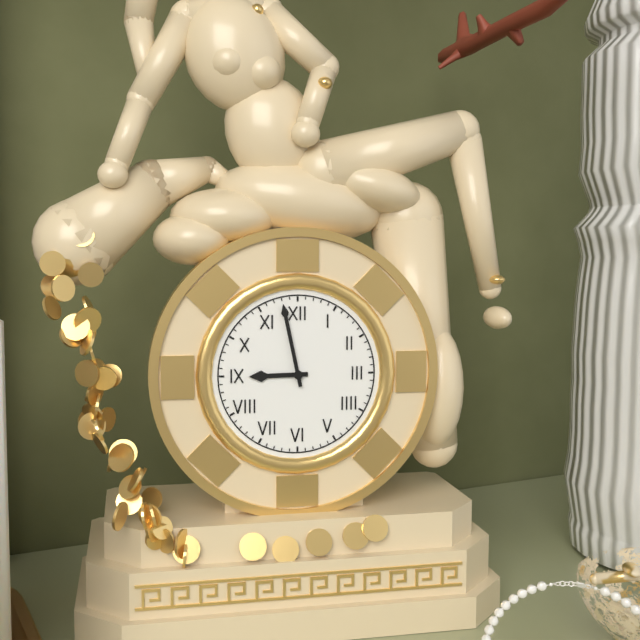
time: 8:58
